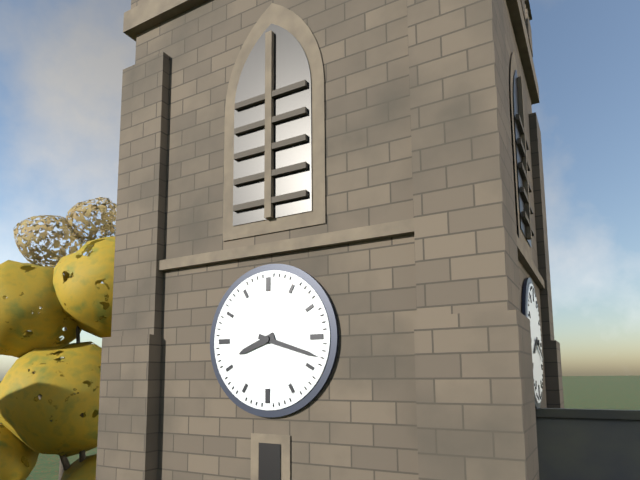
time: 8:18
